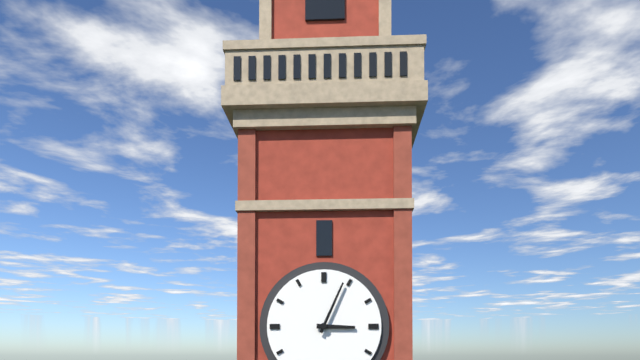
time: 3:04
